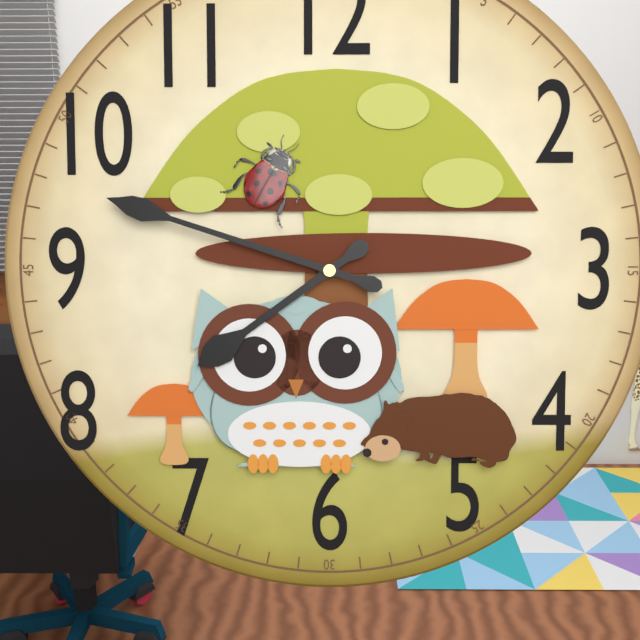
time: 7:48
